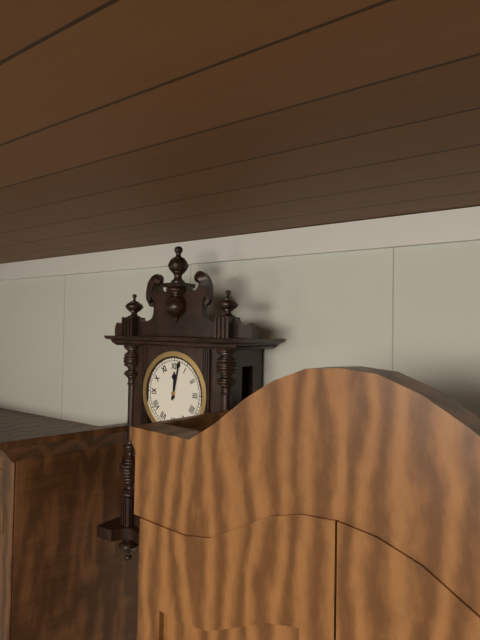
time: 12:02
